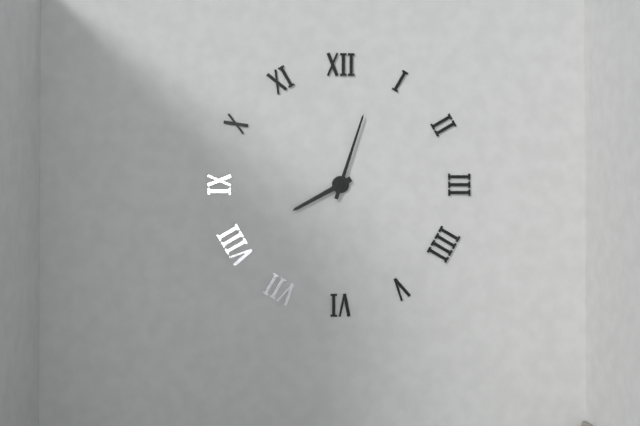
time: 8:03
